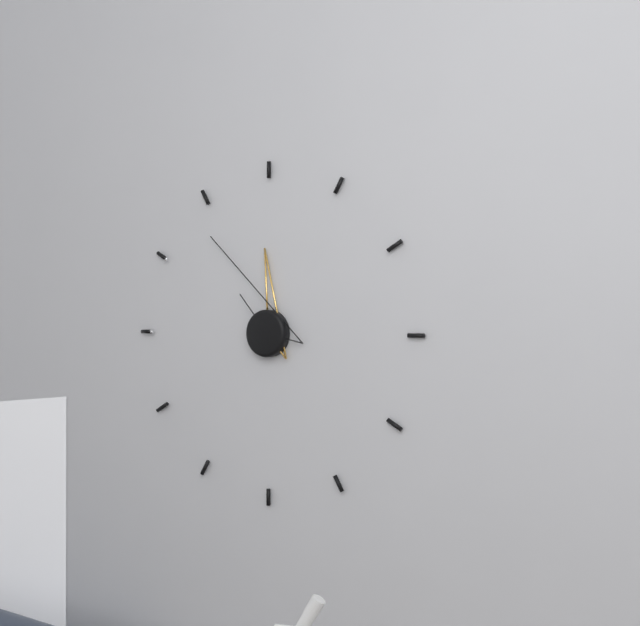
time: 11:54
